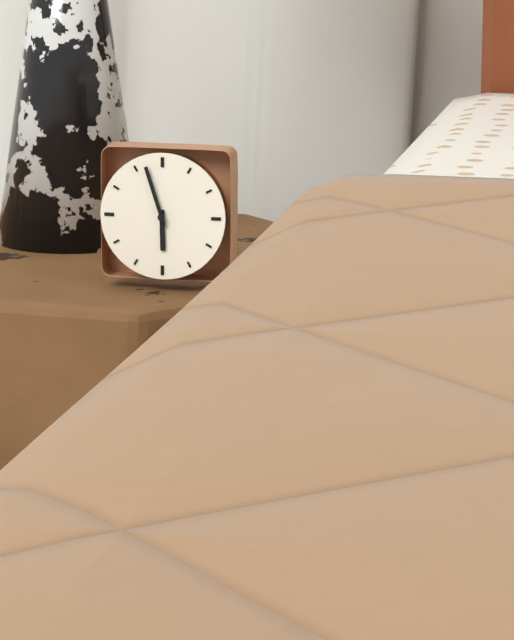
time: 5:57
